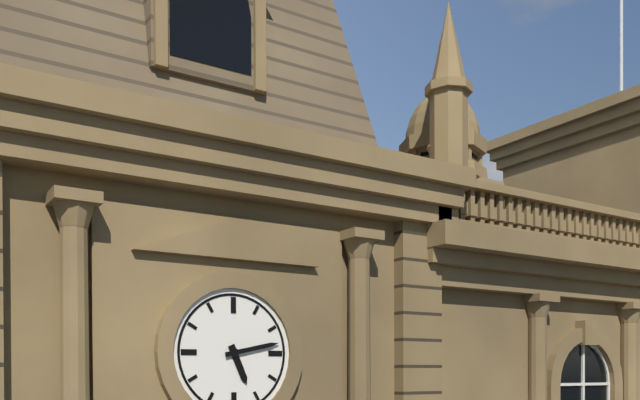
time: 5:13
